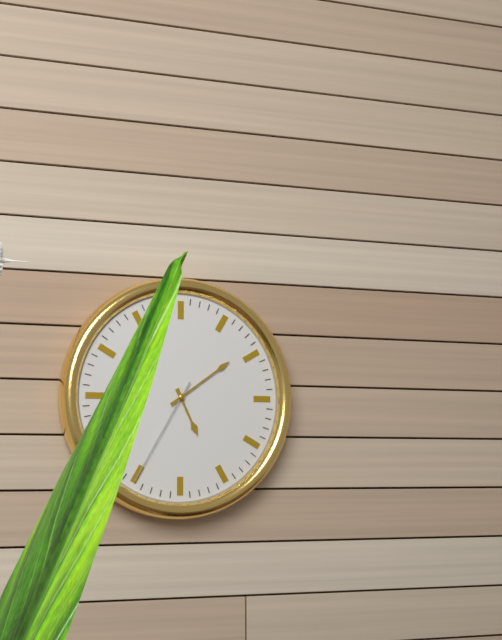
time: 5:09:35
